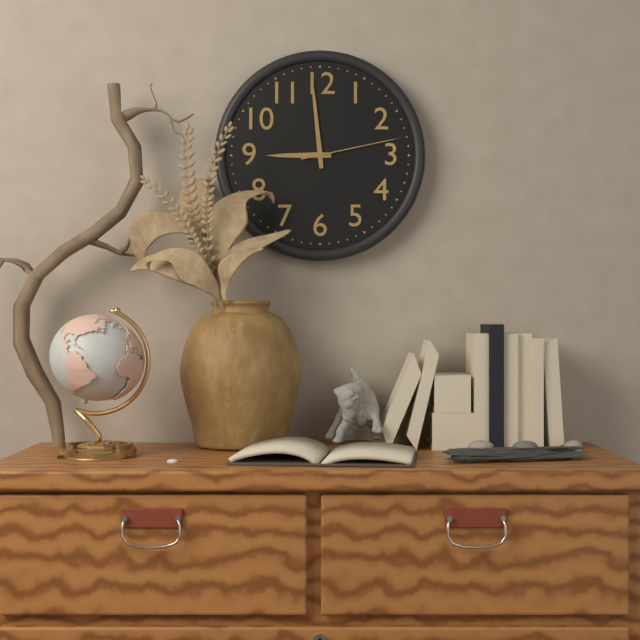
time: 8:59:13
